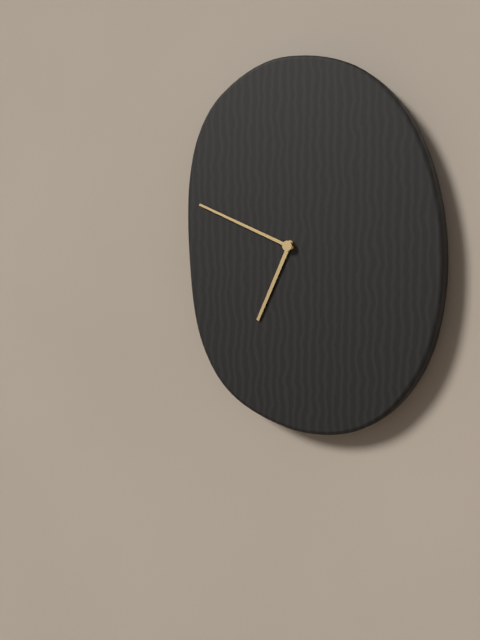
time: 6:49
